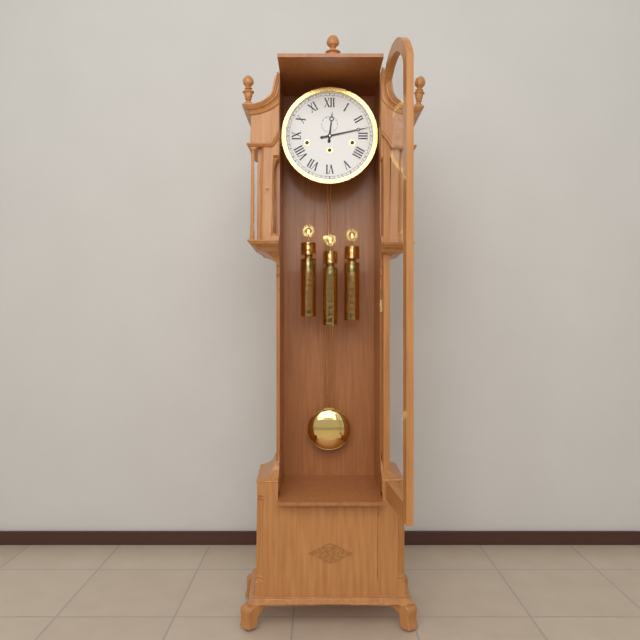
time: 12:13
